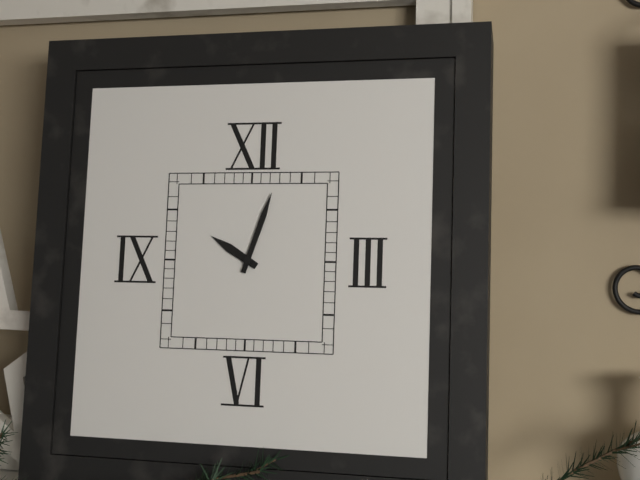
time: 10:03
